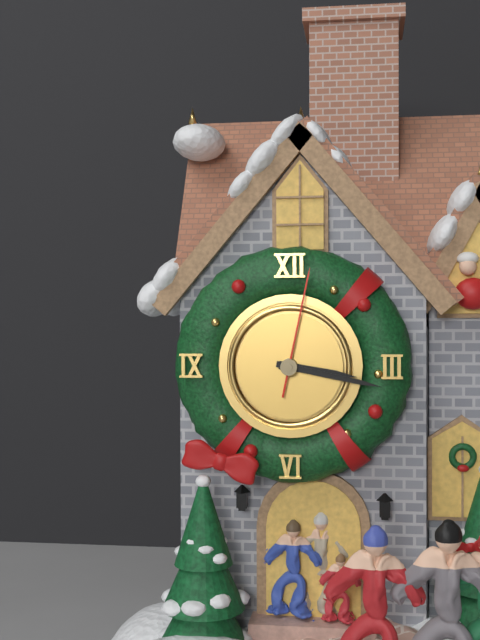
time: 3:17:02
